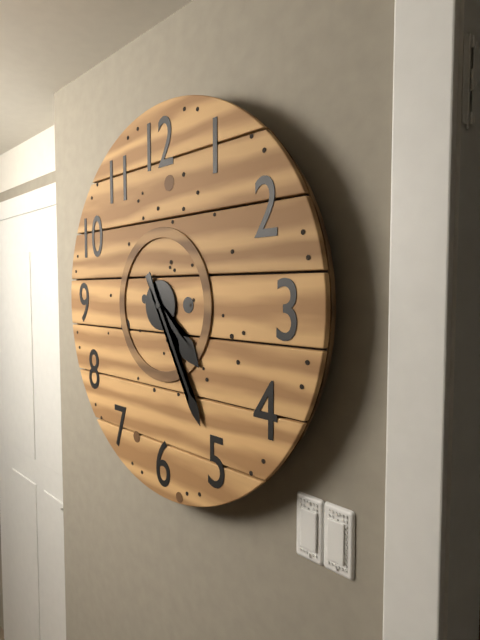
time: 4:25
